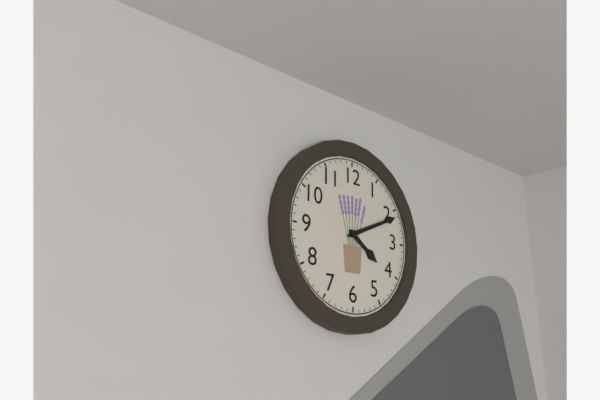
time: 4:11
